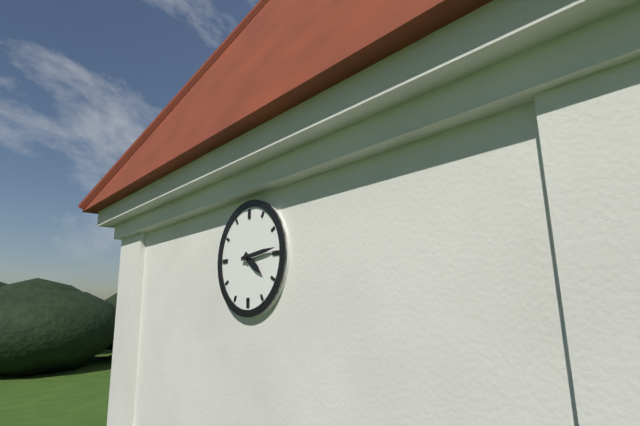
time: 4:14
